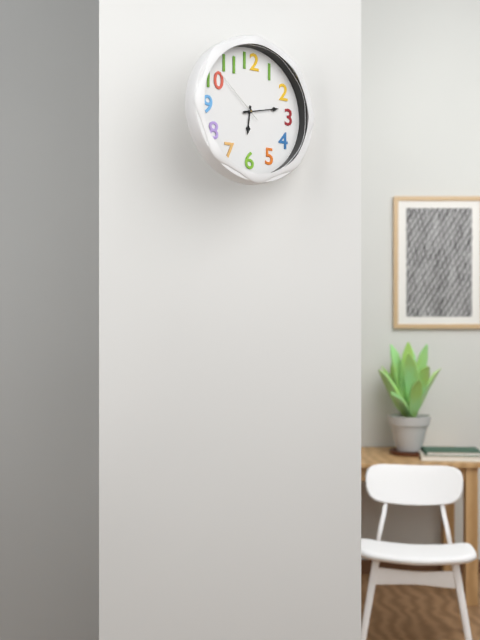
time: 6:13:52
